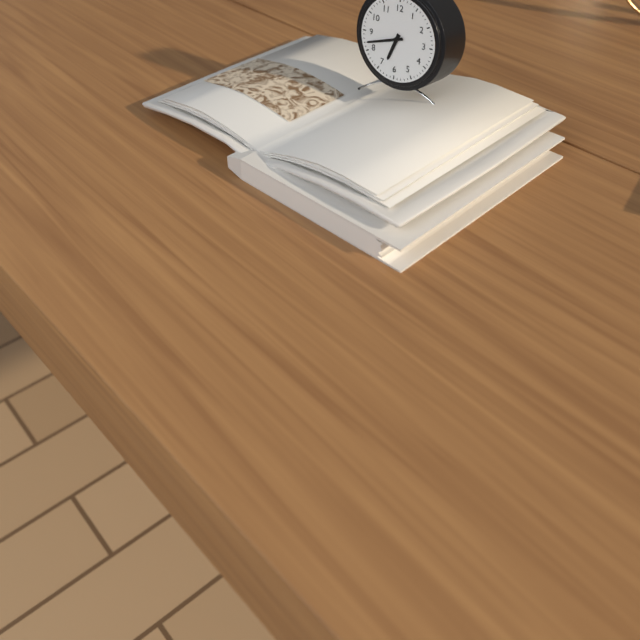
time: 6:42
